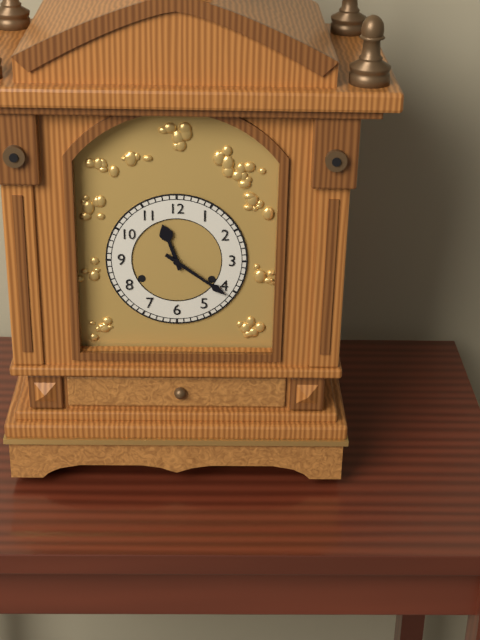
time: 11:21
